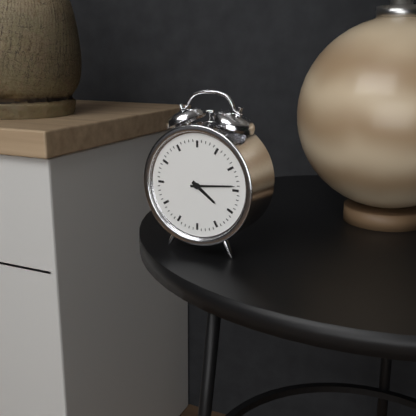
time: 4:14
